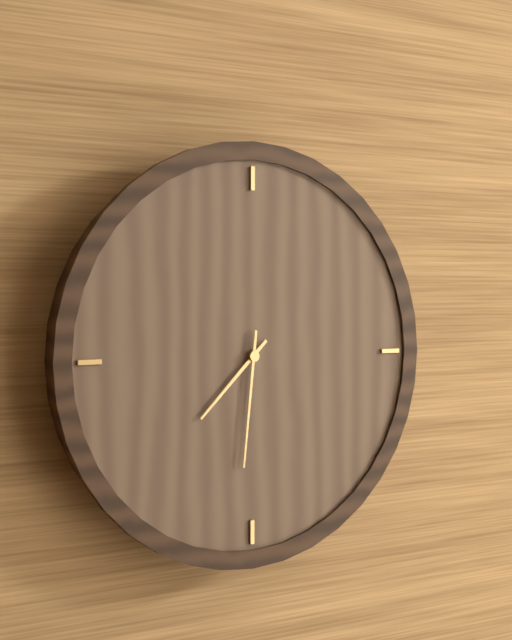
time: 7:31
